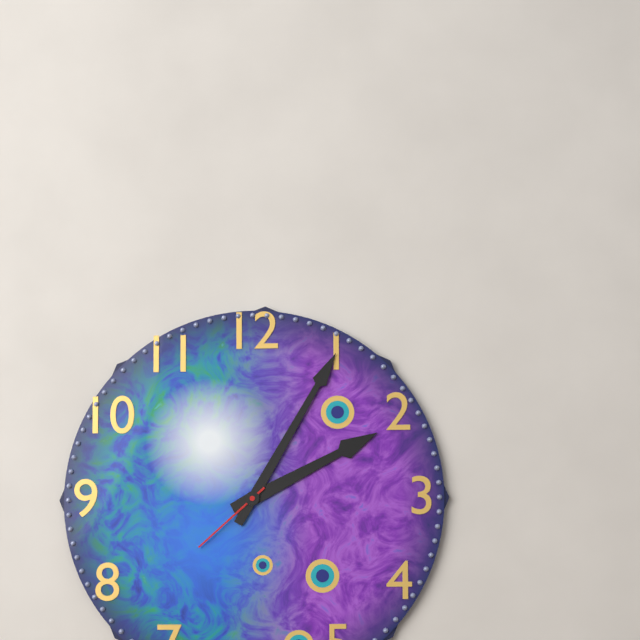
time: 2:05:38
